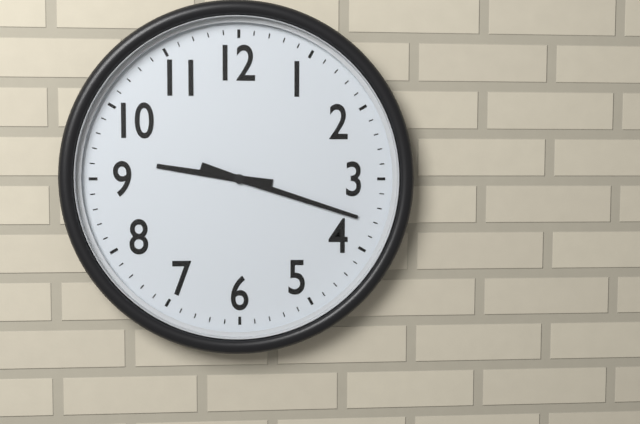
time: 9:18
